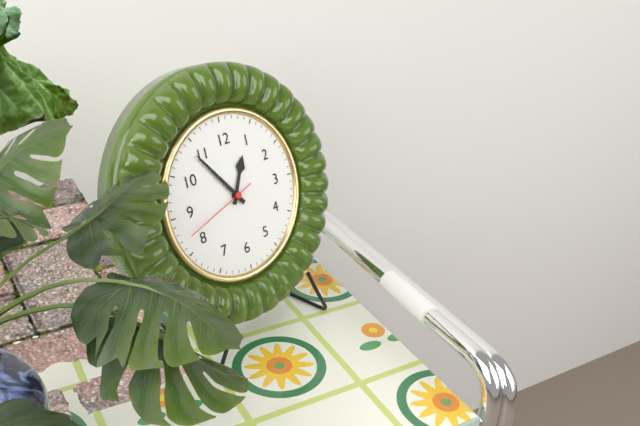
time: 12:54:42
